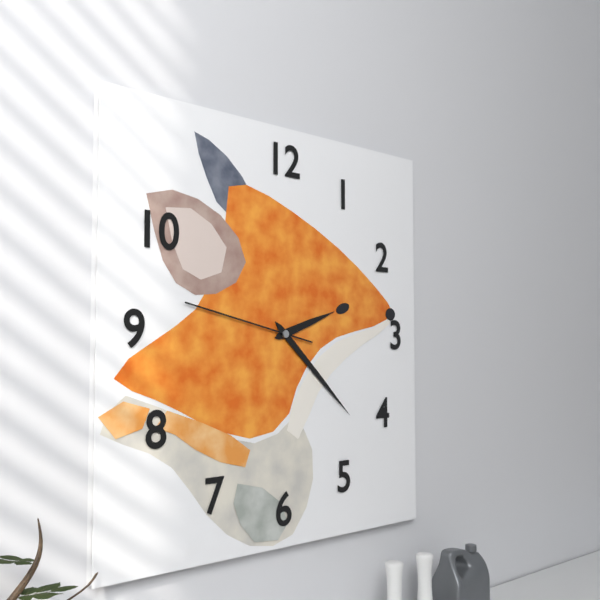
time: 2:22:47
